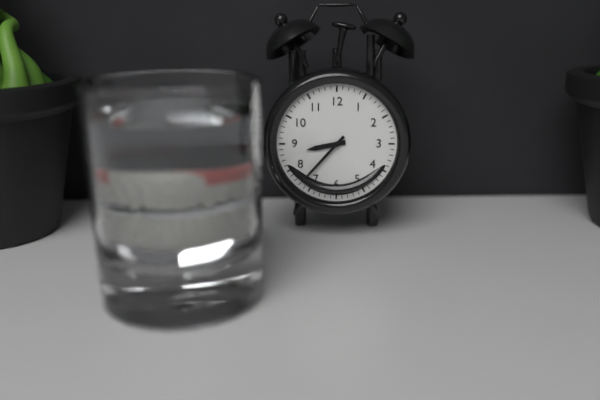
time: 8:37
